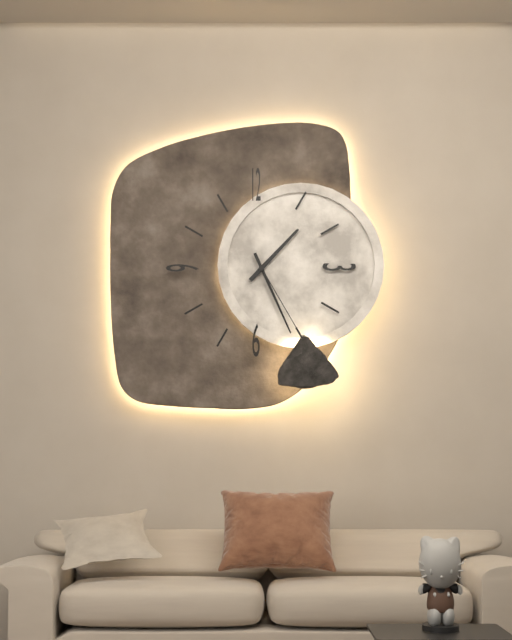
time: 1:26:25
